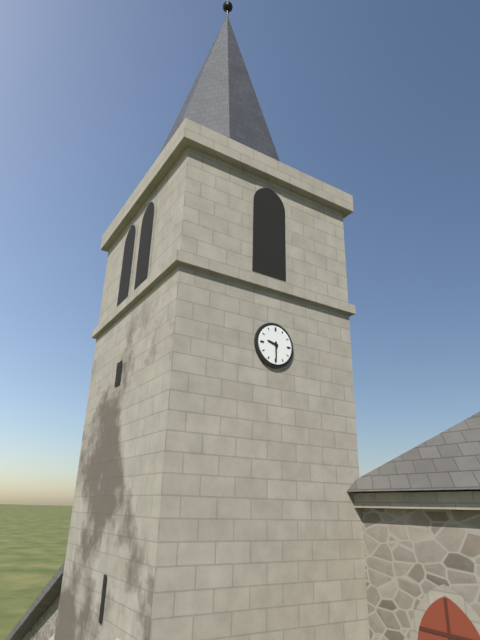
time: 9:30
